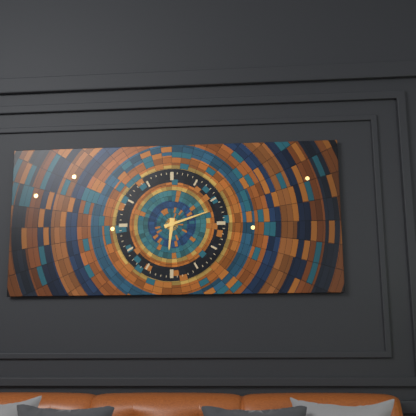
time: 6:12
